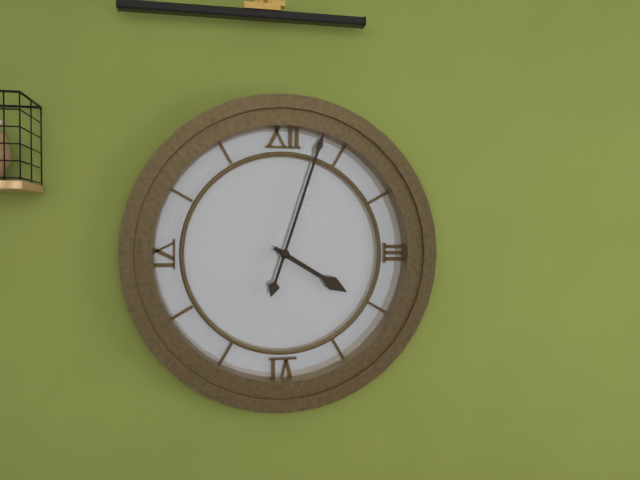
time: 4:03
